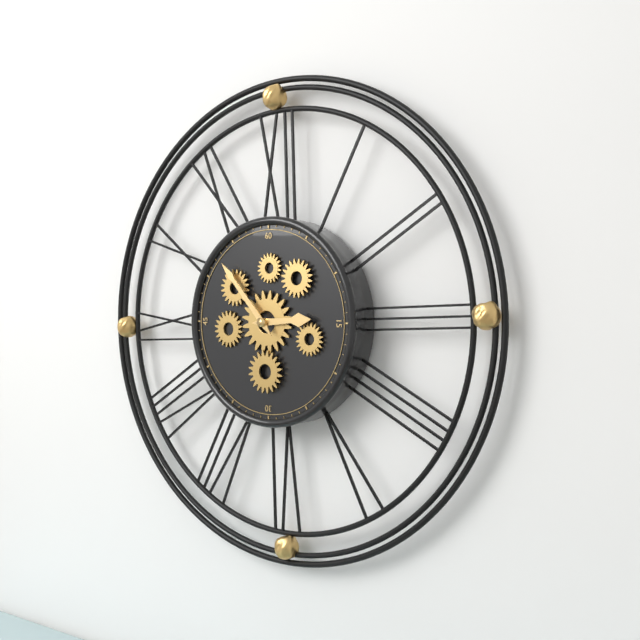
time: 2:53
